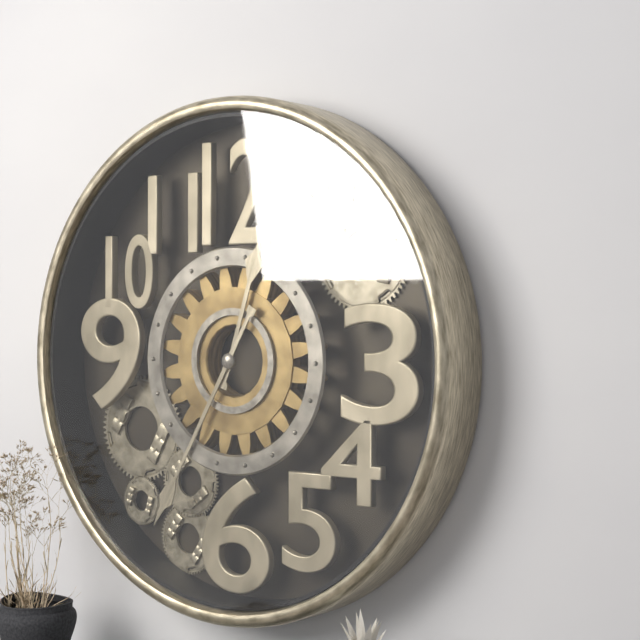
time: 12:35
